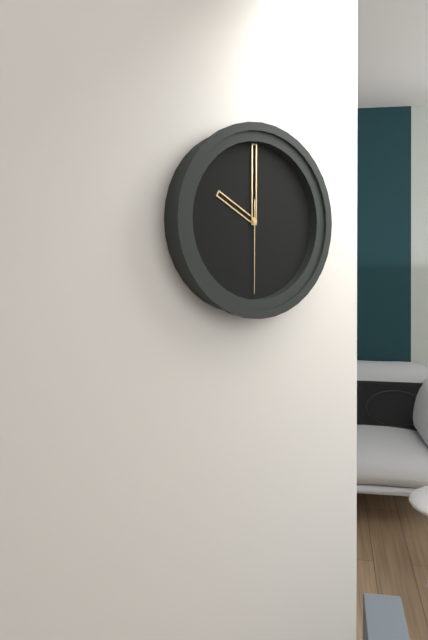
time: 10:00:30
